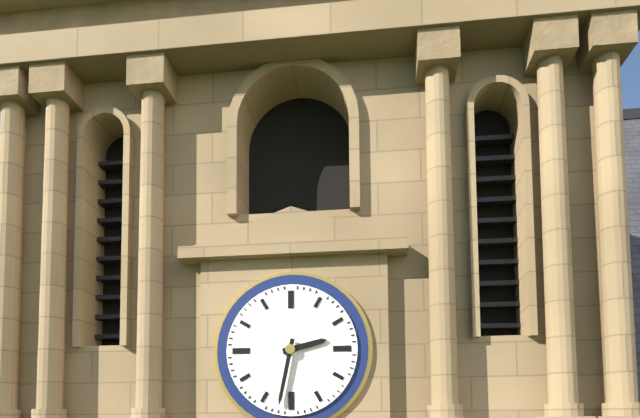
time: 2:32
